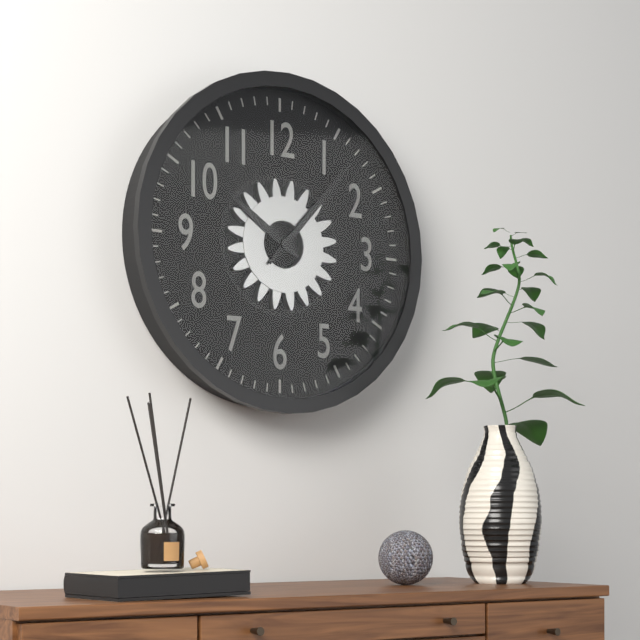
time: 10:07
